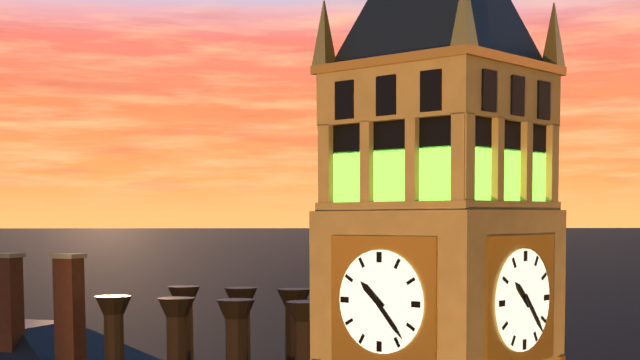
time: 10:23
